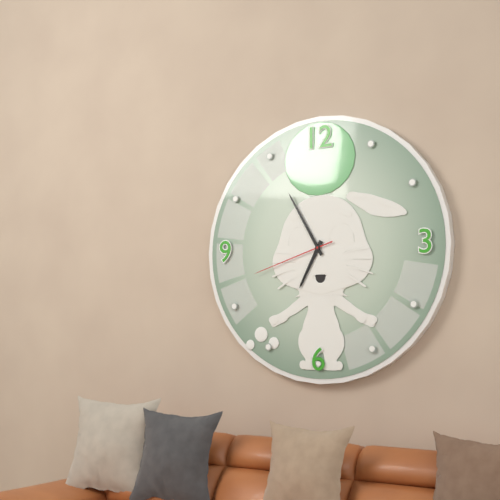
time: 6:55:42
